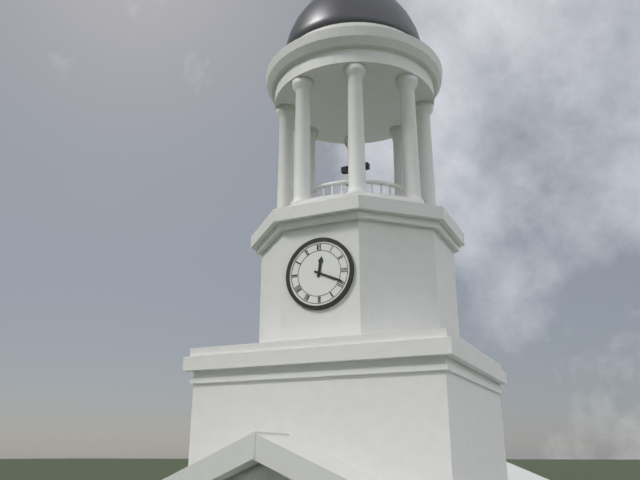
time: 12:19
